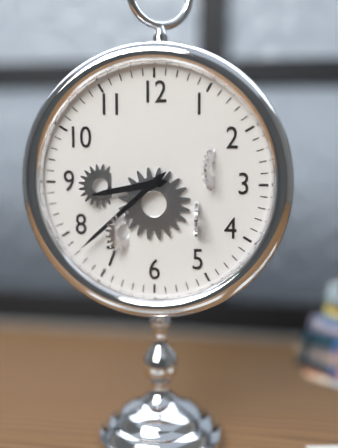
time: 8:38
